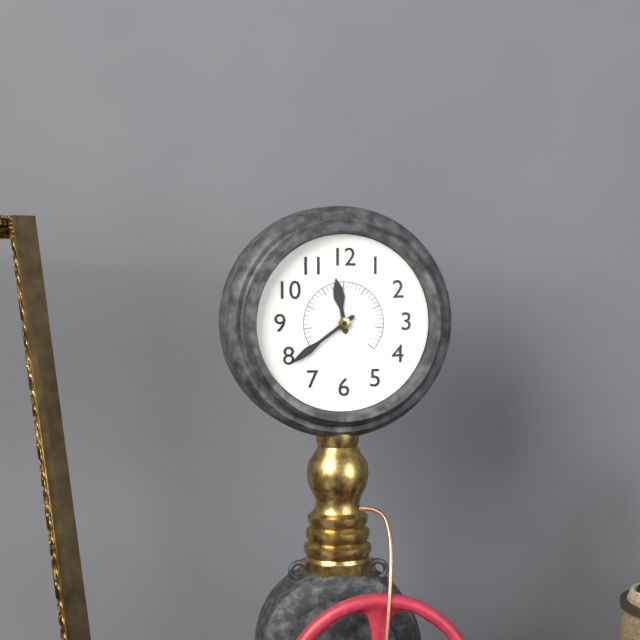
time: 11:39
